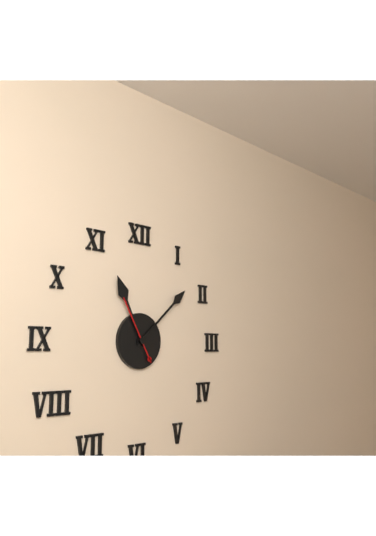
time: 11:08:55
